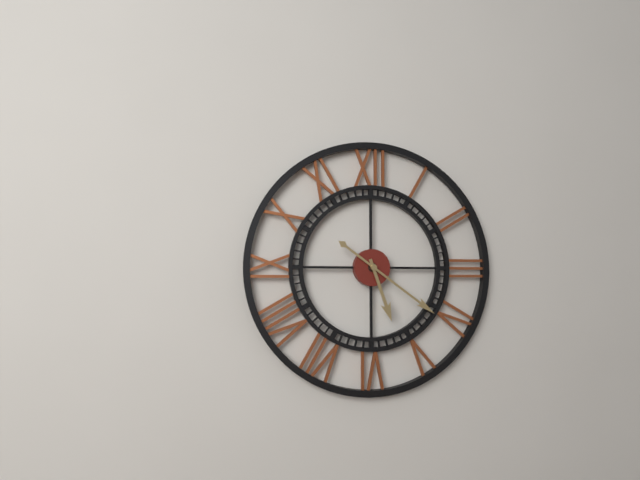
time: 5:21
